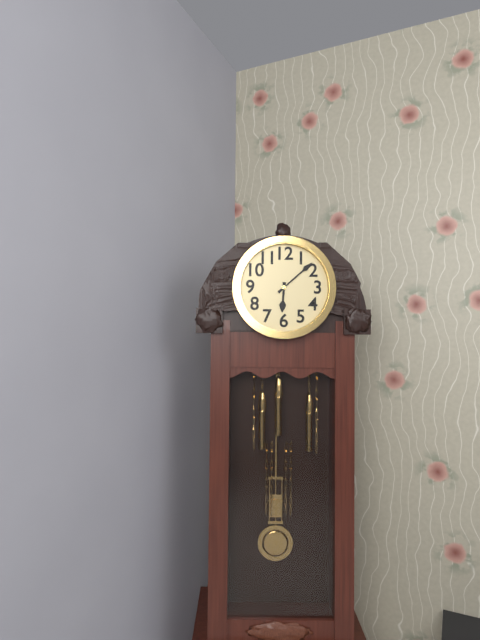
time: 6:08
